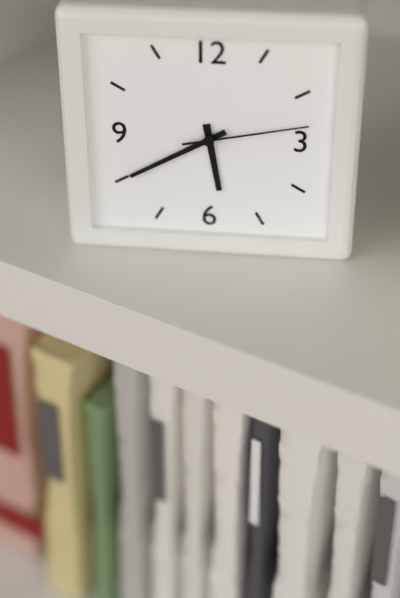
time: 5:40:13
